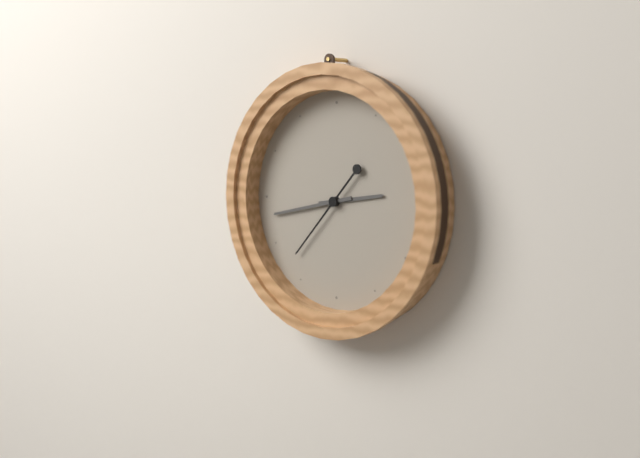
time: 2:43:37
